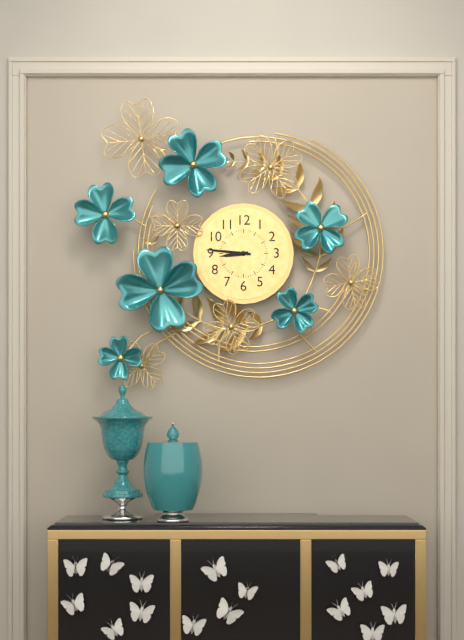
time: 8:46
